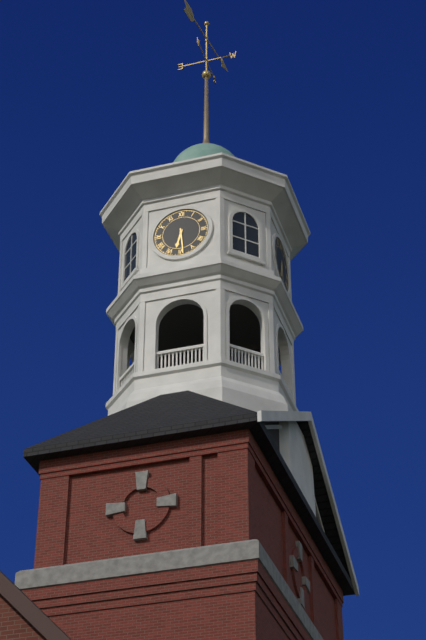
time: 6:29
